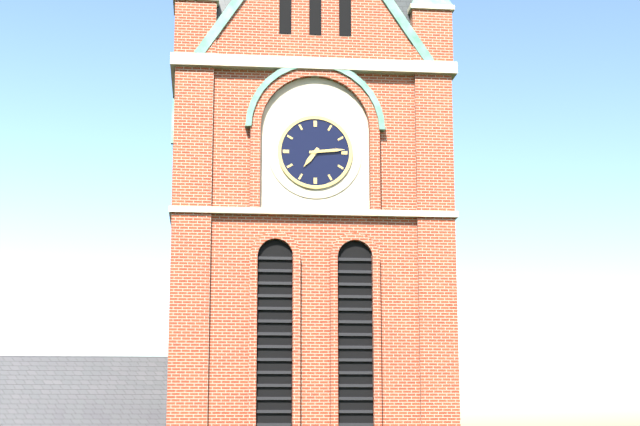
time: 7:14
